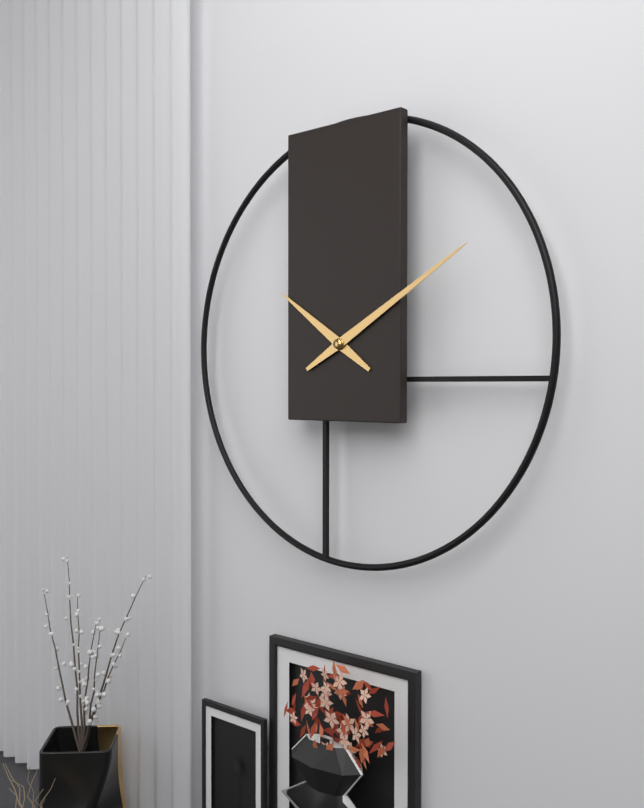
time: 10:10
